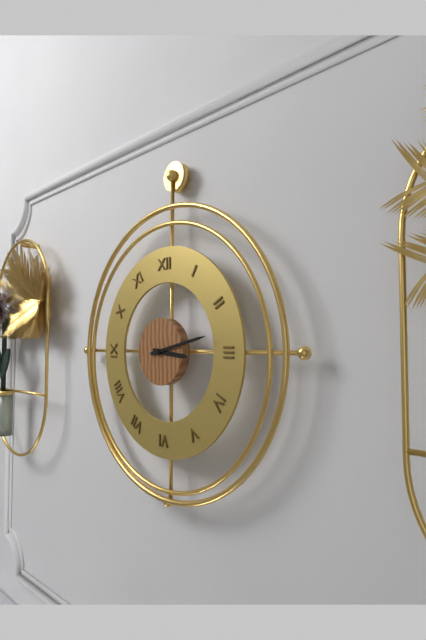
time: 3:13
